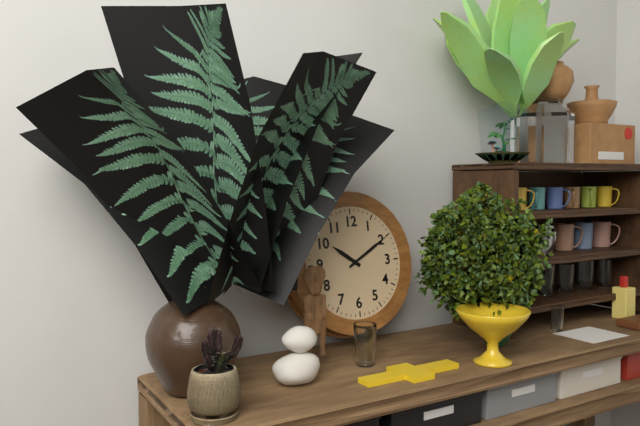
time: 10:10
